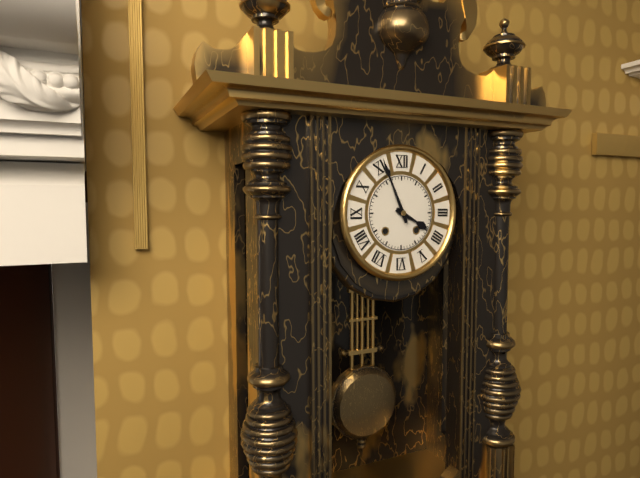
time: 3:56
